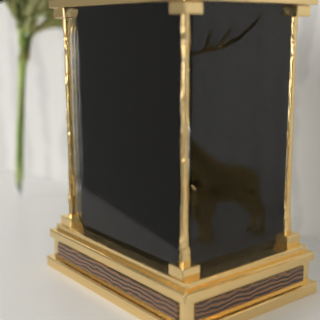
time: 3:25
